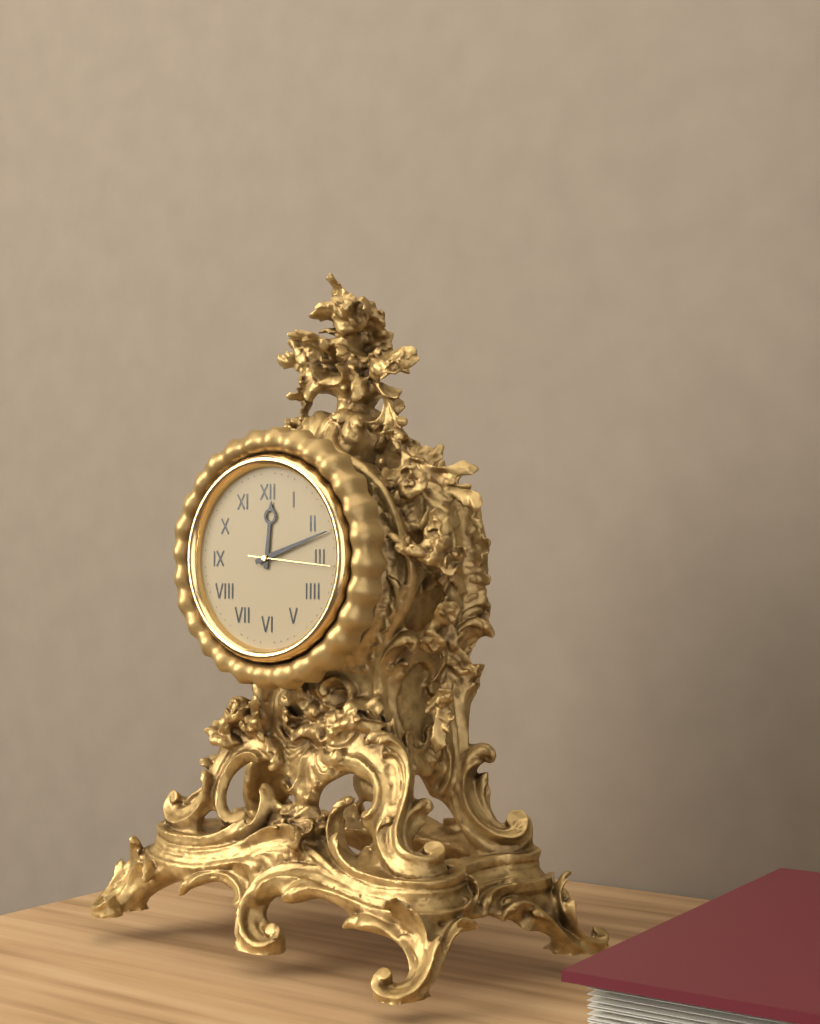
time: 12:12:16
